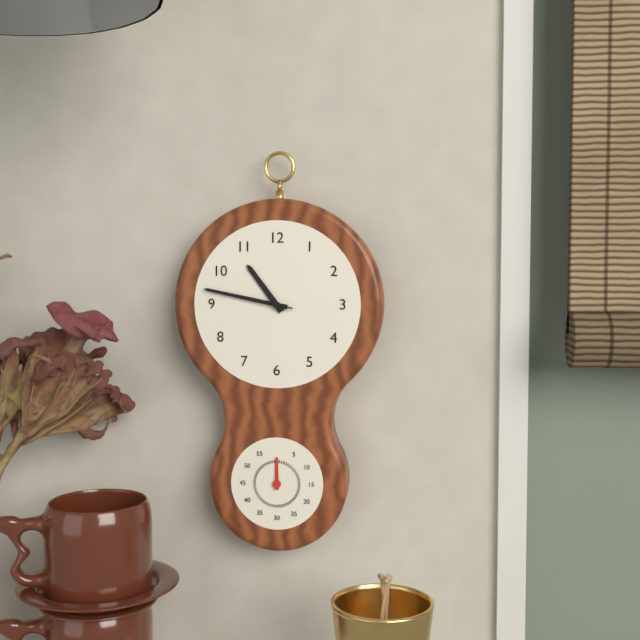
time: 10:47:47
